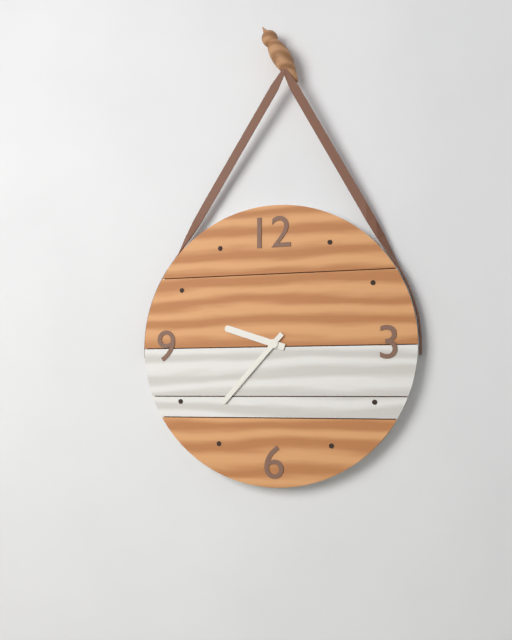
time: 9:37
